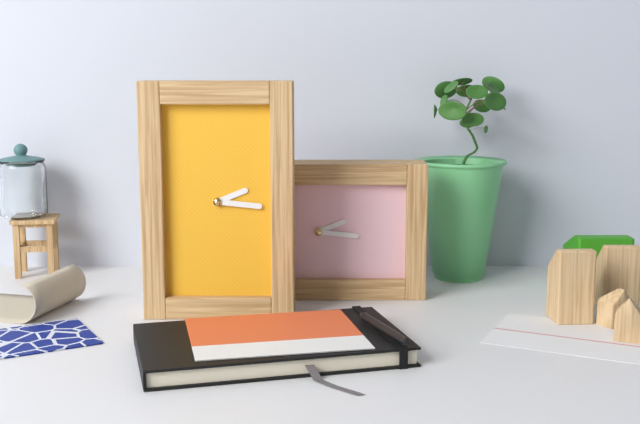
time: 2:16
